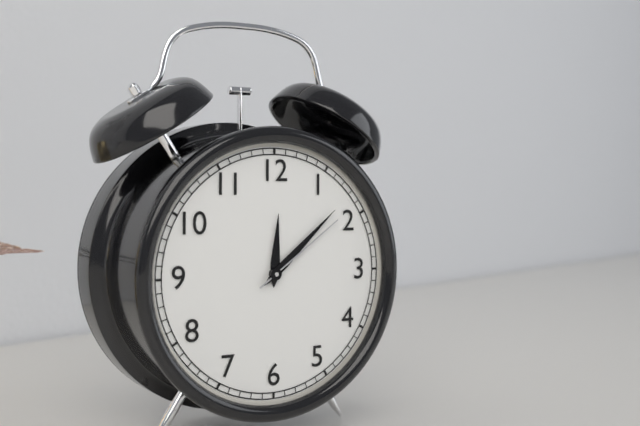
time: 12:08:09
